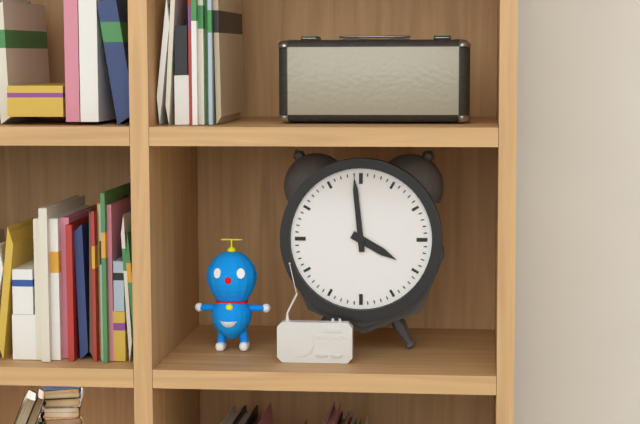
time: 3:59
